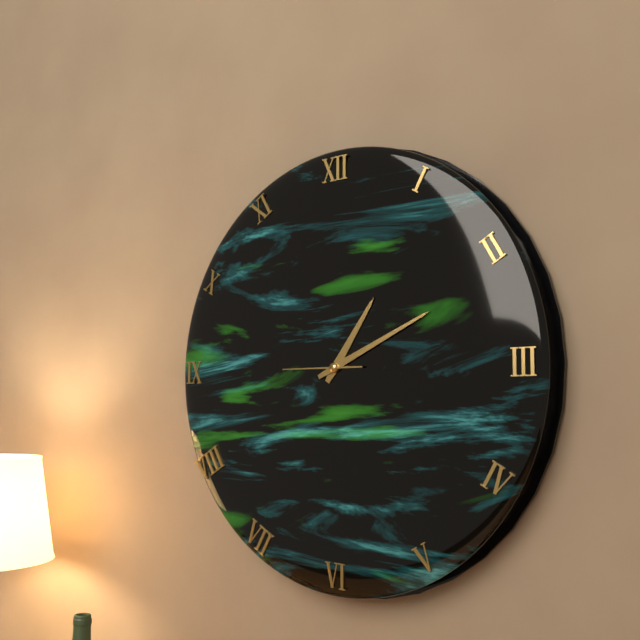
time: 1:11:45
